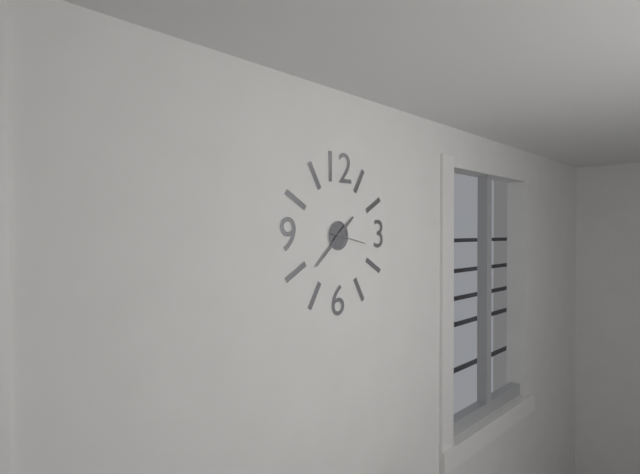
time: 1:38
